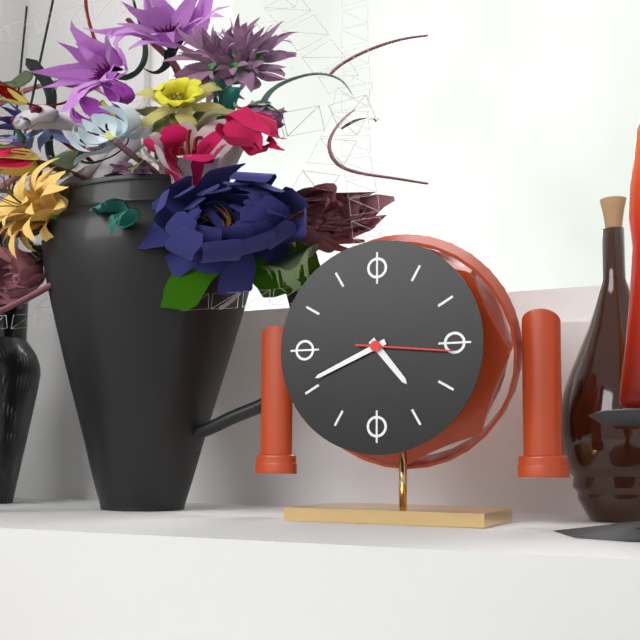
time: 4:41:16
